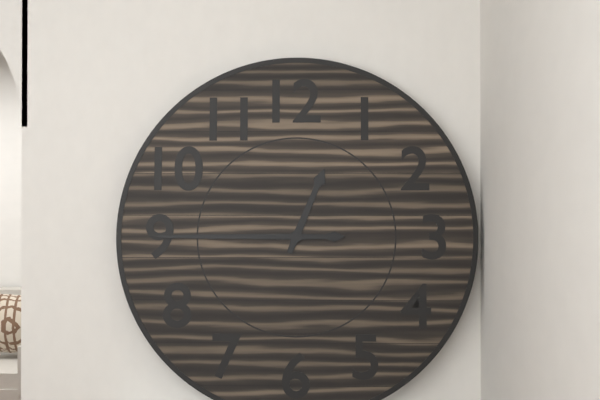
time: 12:45
